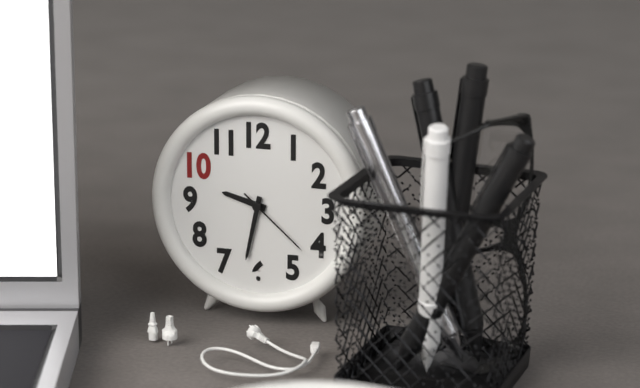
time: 9:32:22
